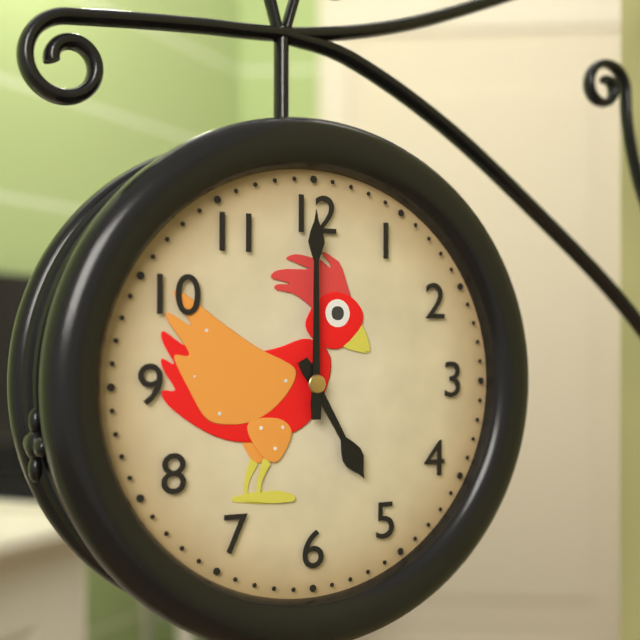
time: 5:00
